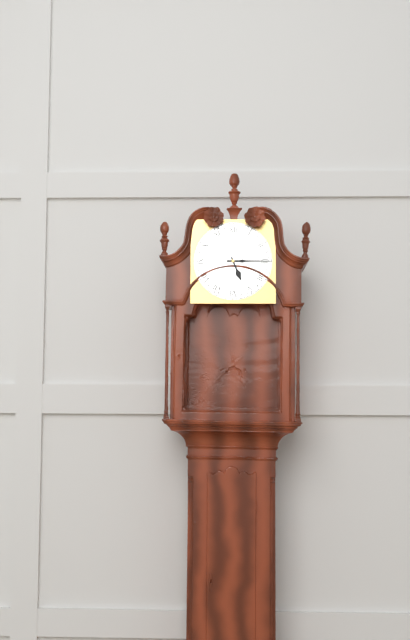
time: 5:15
